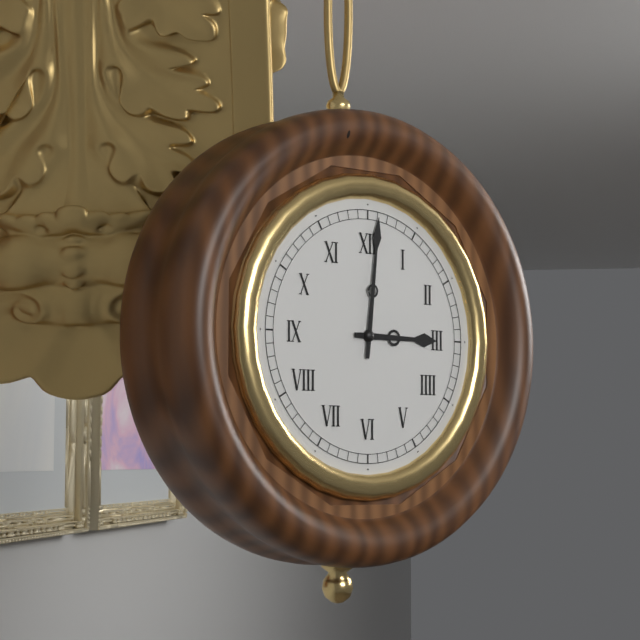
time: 3:01
